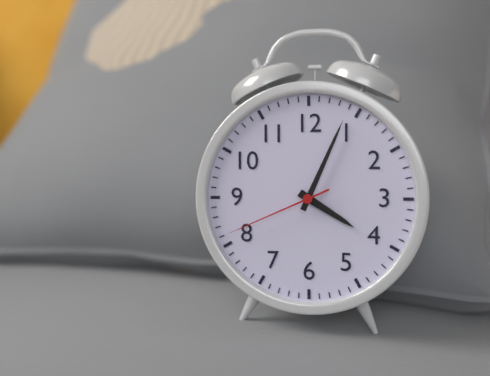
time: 4:04:41
